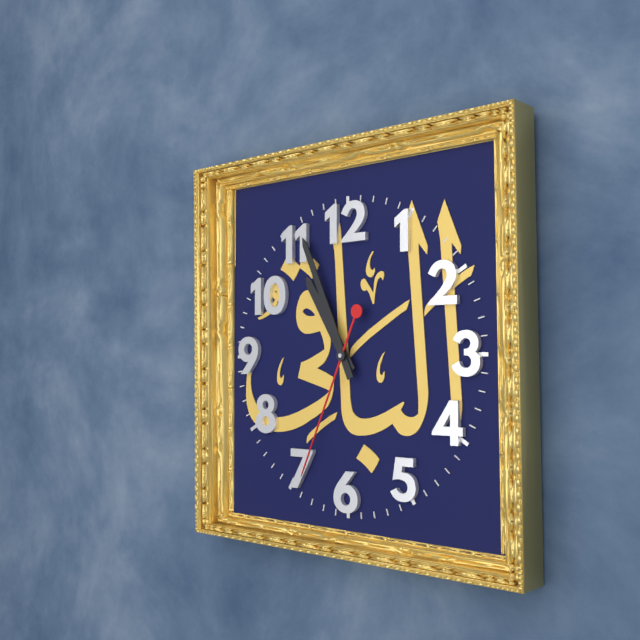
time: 10:56:34
